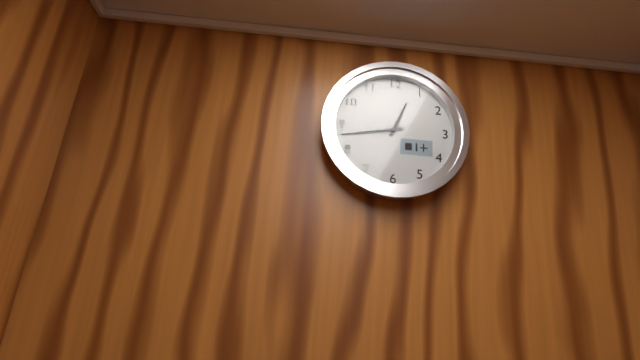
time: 12:43
